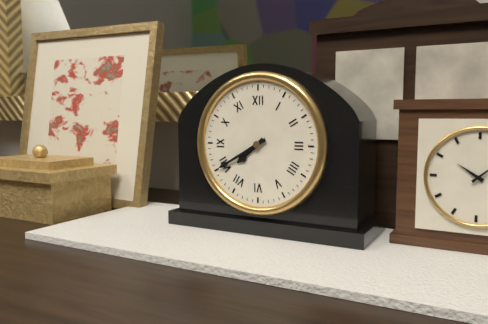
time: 7:40
